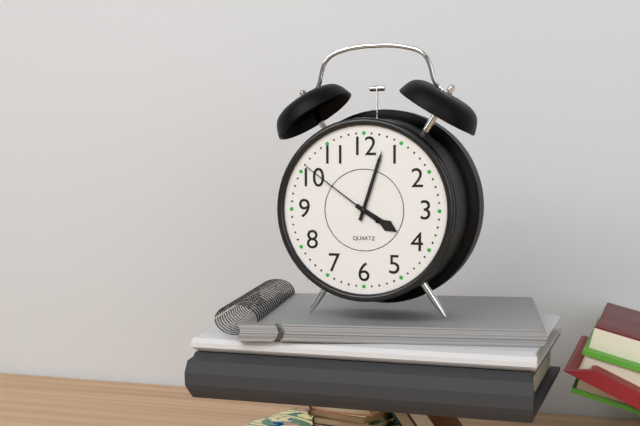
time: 4:03:51
